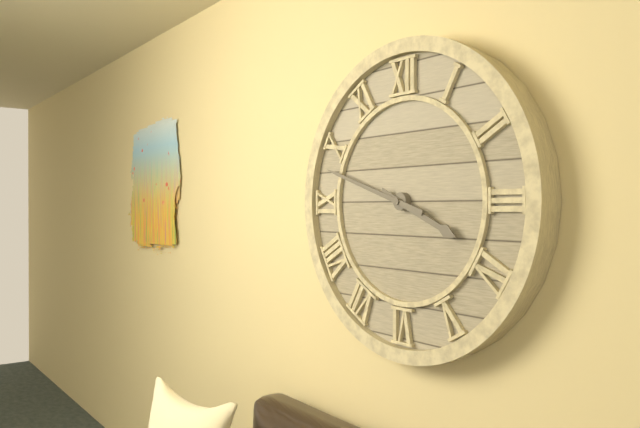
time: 3:48
